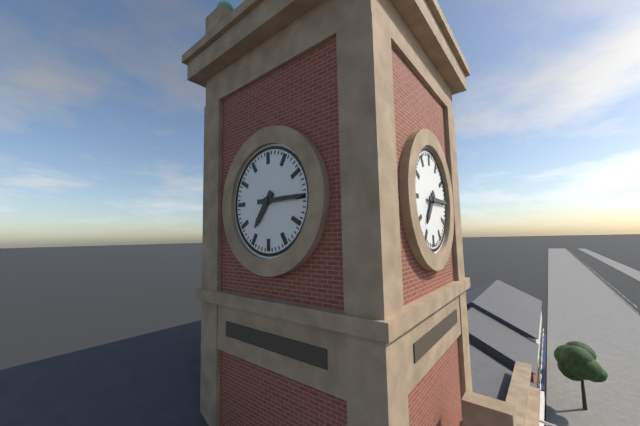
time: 7:15
